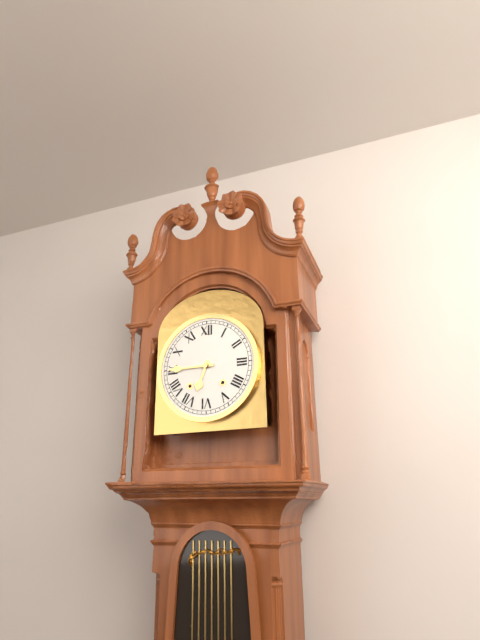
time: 6:45
